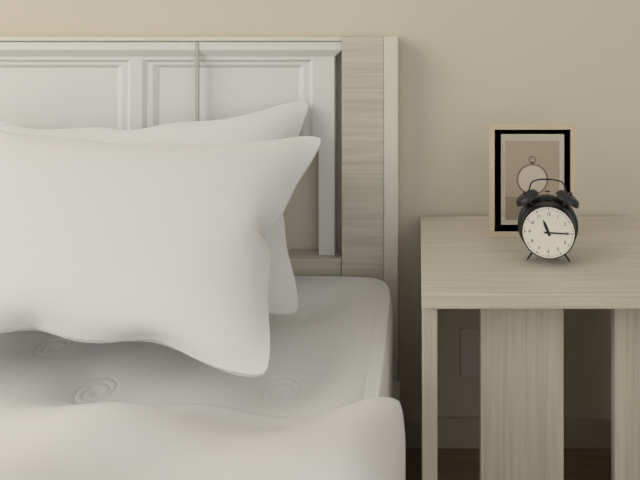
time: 11:15
